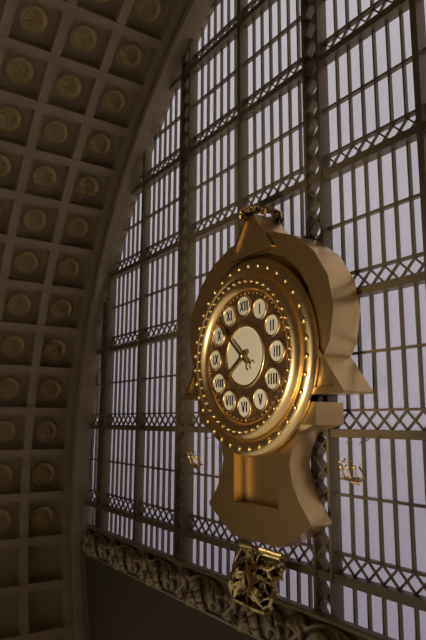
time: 7:52
